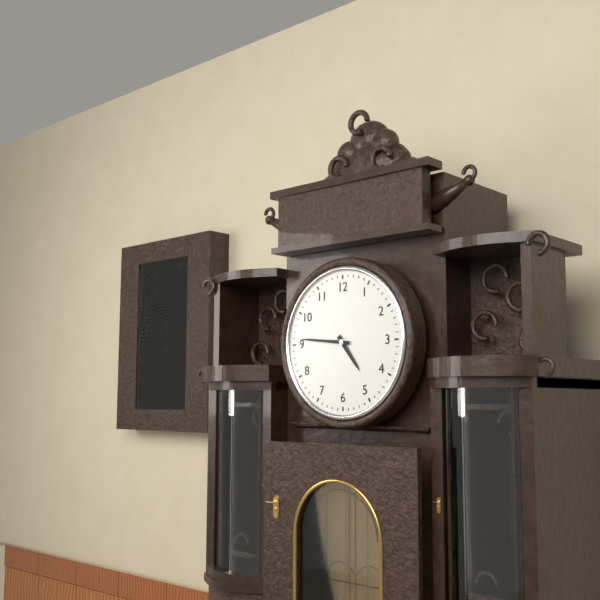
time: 4:46
